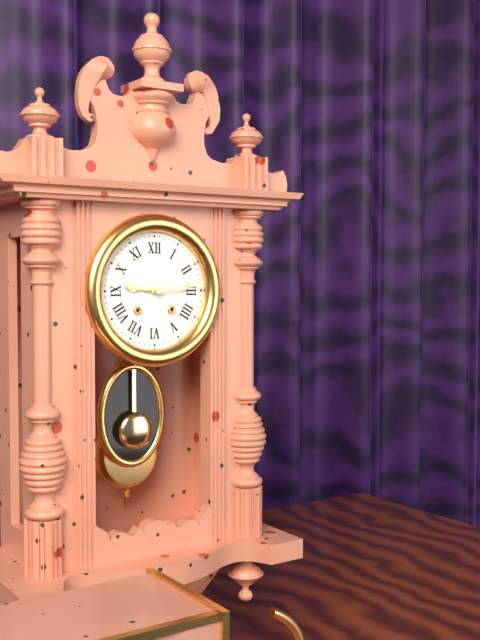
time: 9:14
